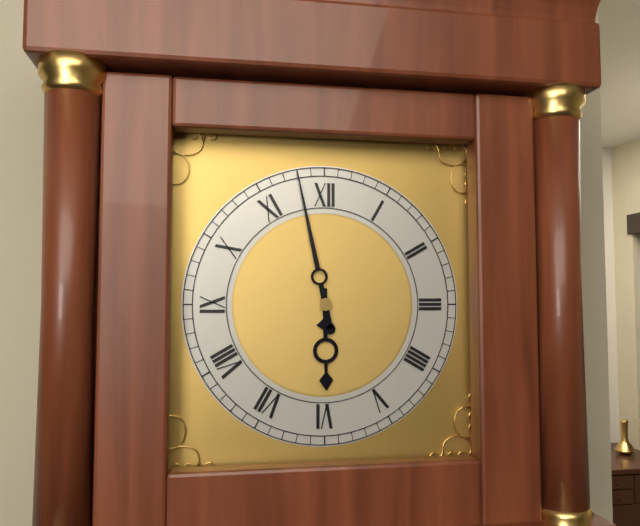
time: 5:58
